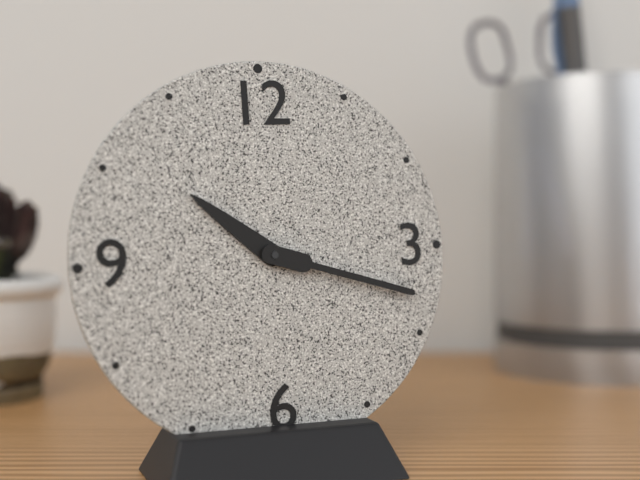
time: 10:18
